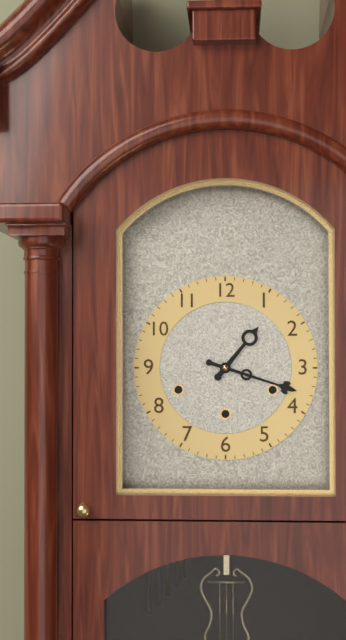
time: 1:18
